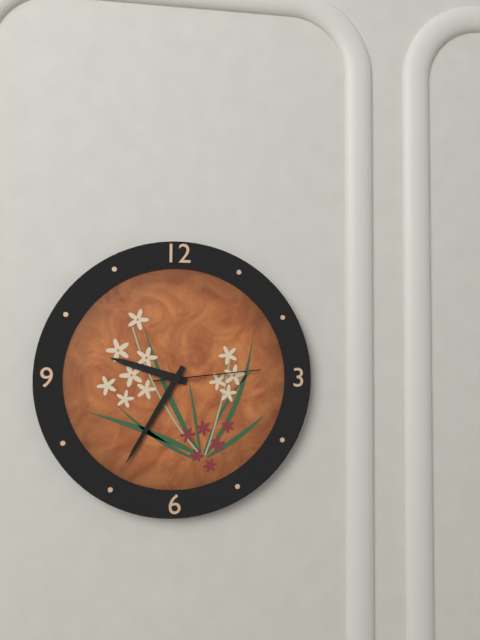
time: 9:35:14
